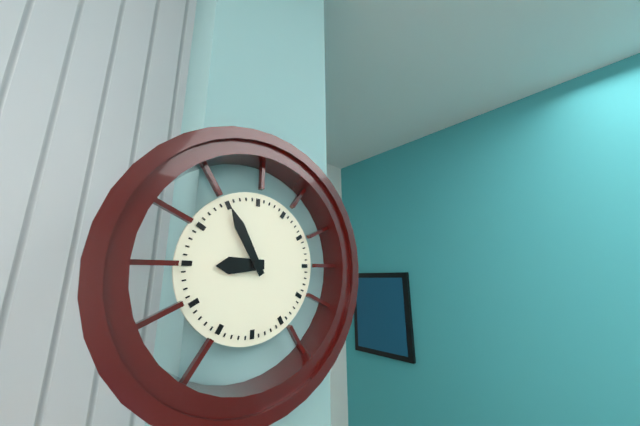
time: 8:55
